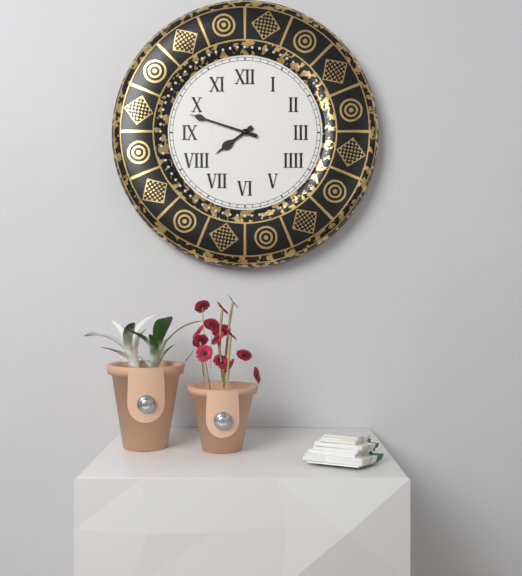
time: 7:48
